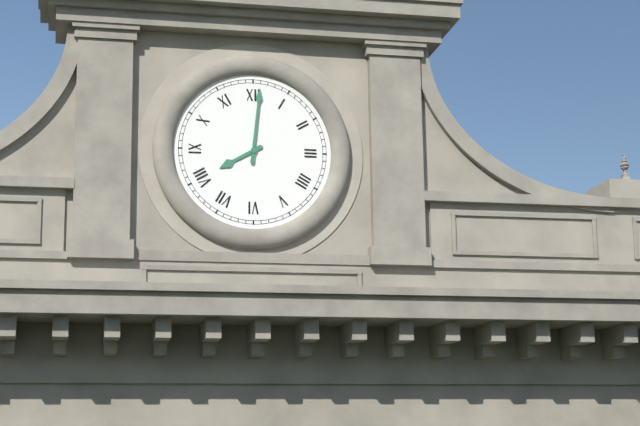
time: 8:01
